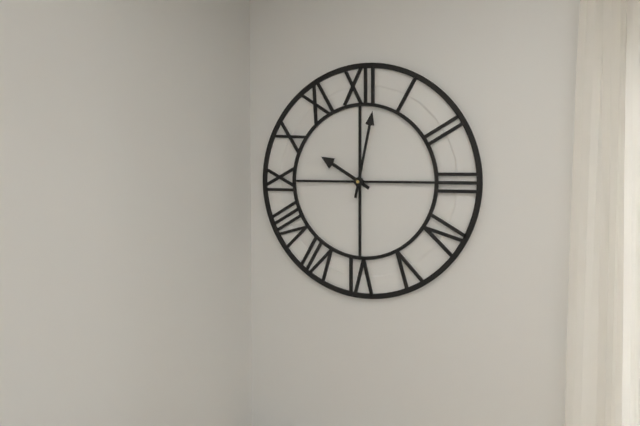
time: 10:02
